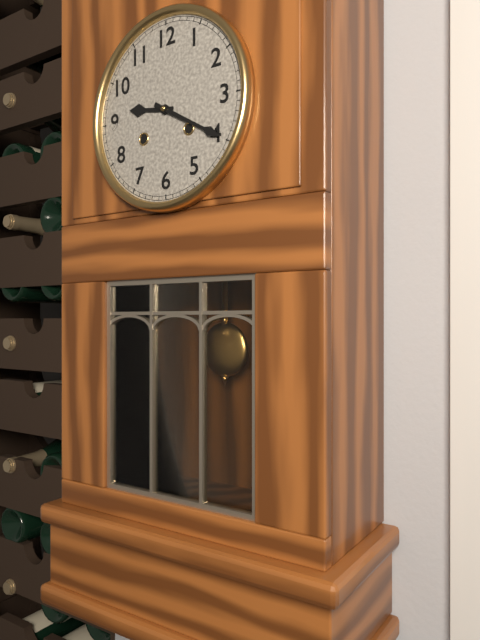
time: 9:20
